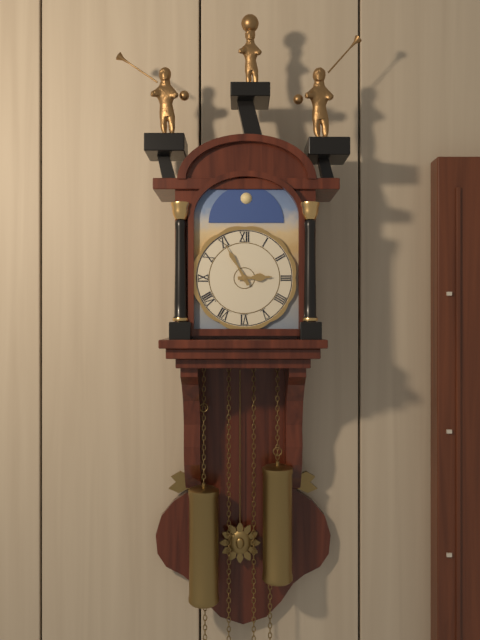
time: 2:55
